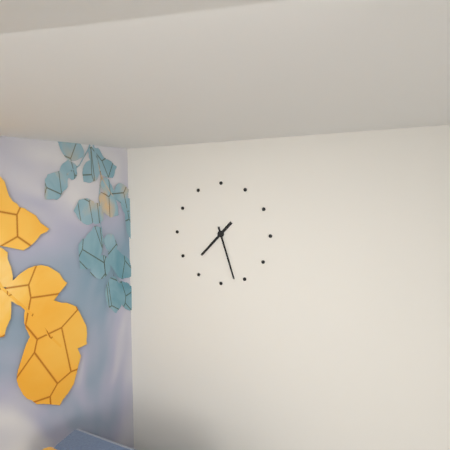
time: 7:27
